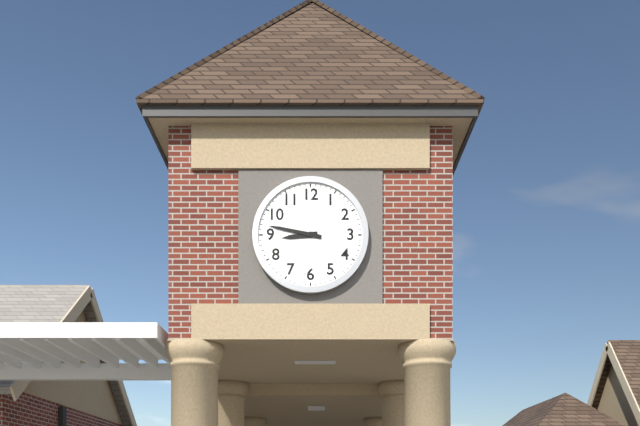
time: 8:47
